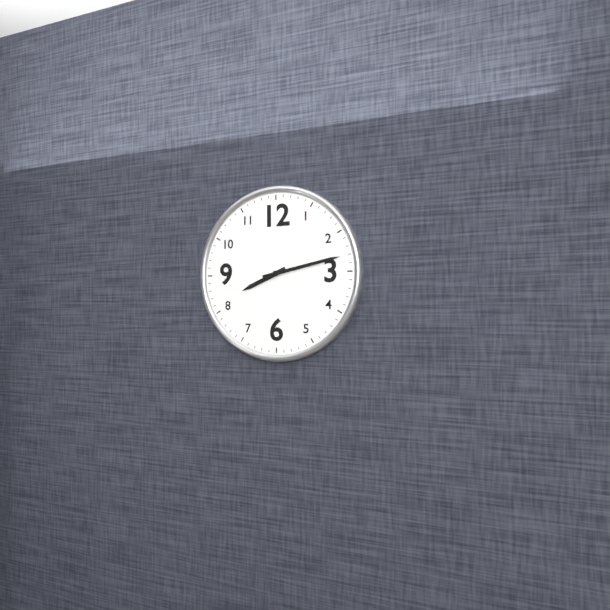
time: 8:13
